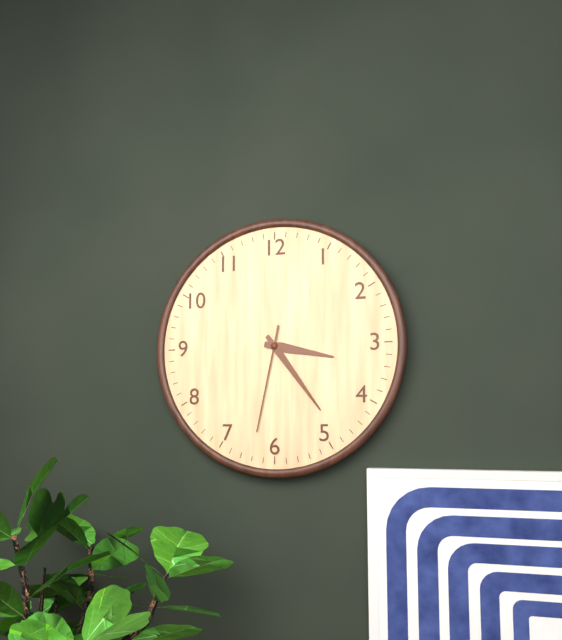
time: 3:24:32
